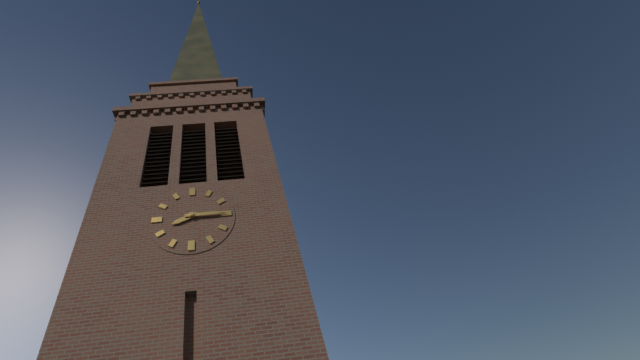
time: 8:15
